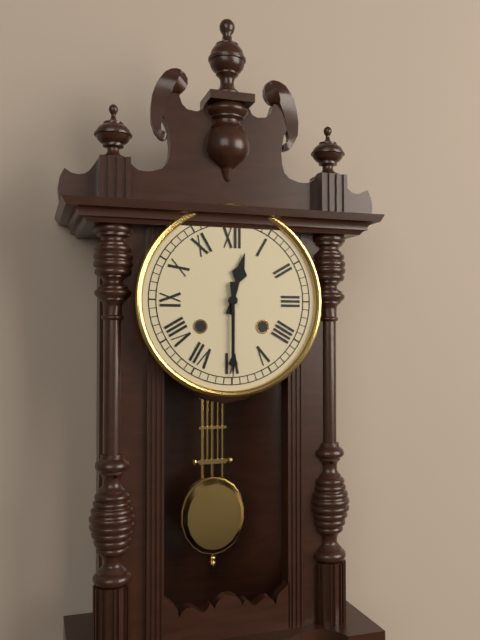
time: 12:30
